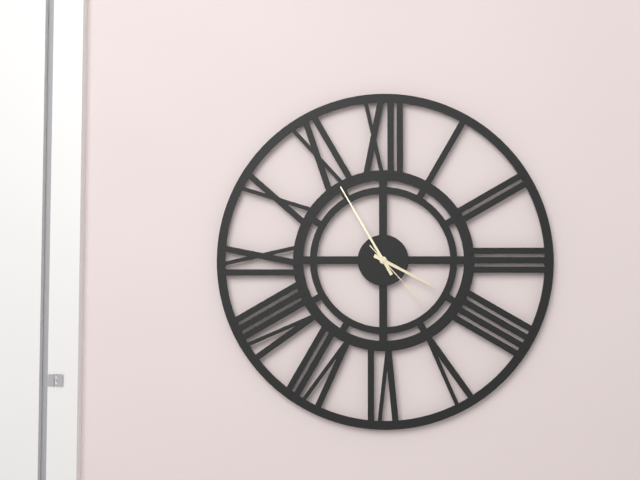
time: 3:55:23
